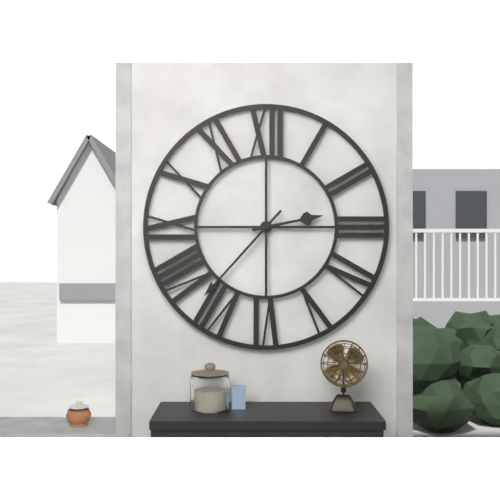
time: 2:37
